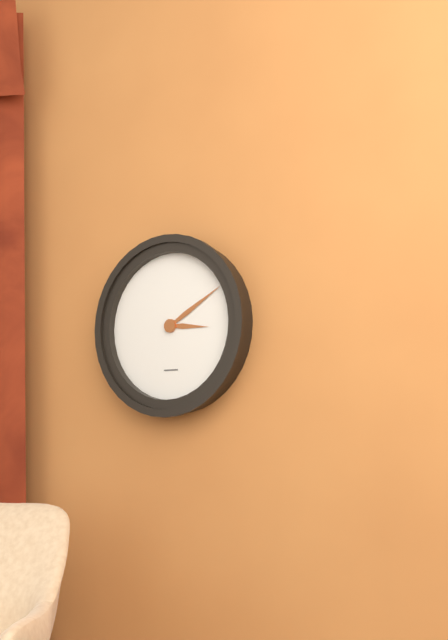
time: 3:10
